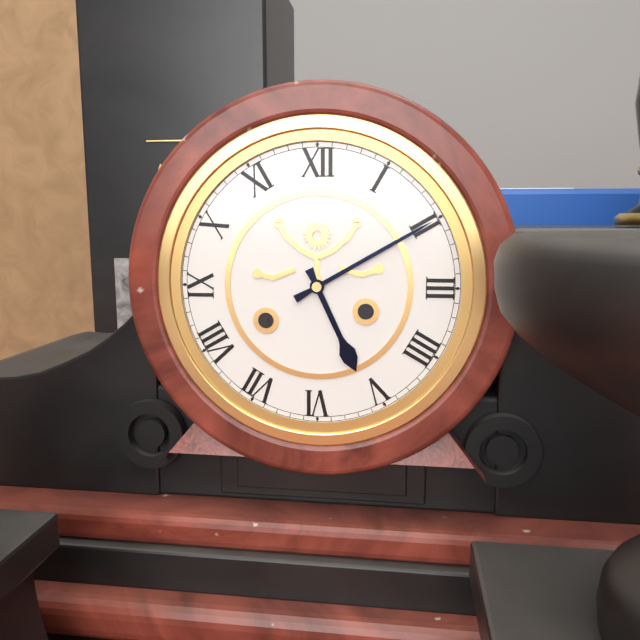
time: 5:10
